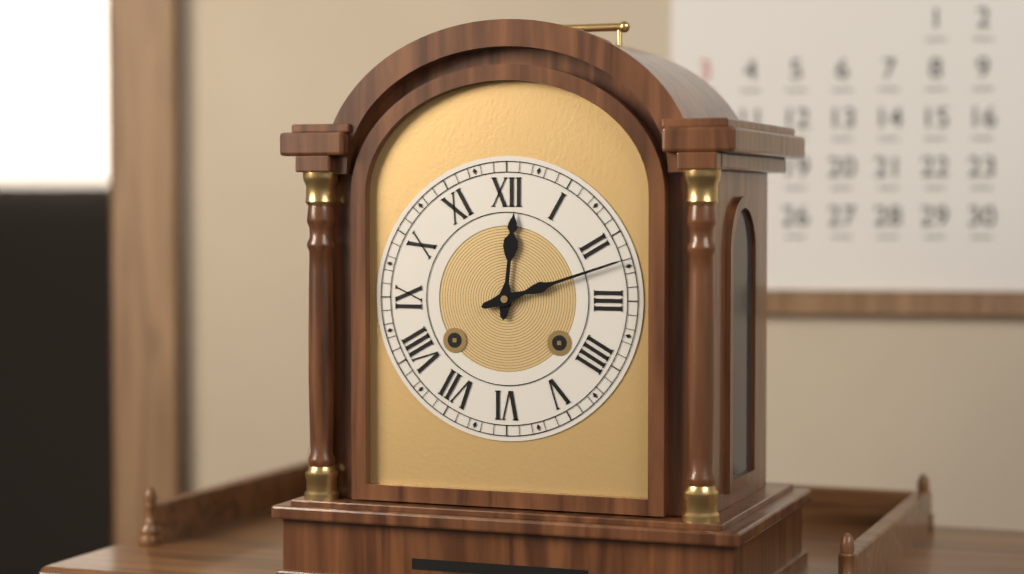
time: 12:12
